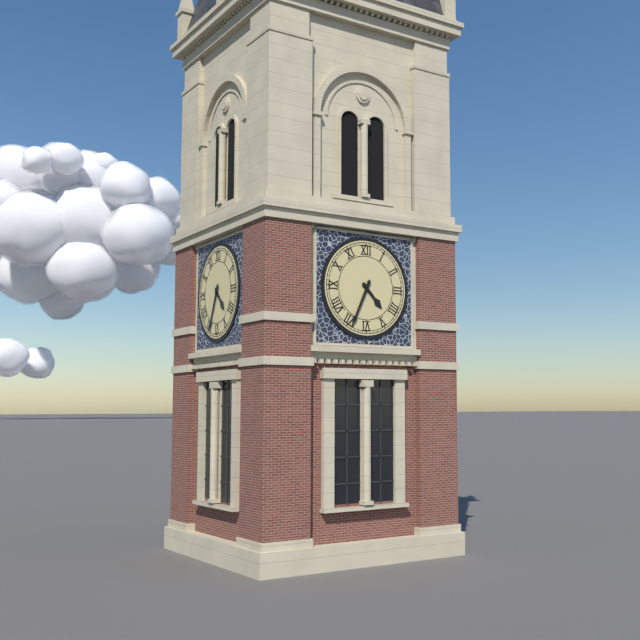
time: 4:34
